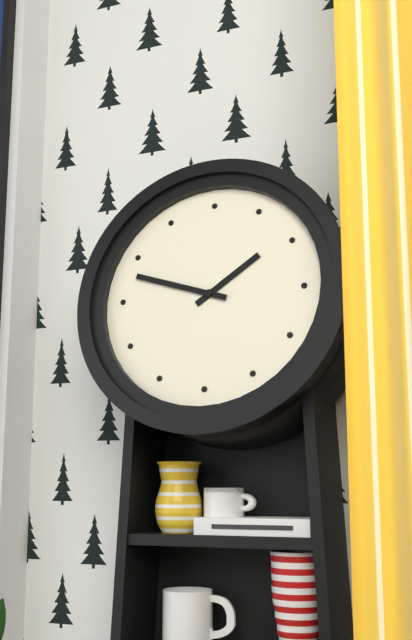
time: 1:48
